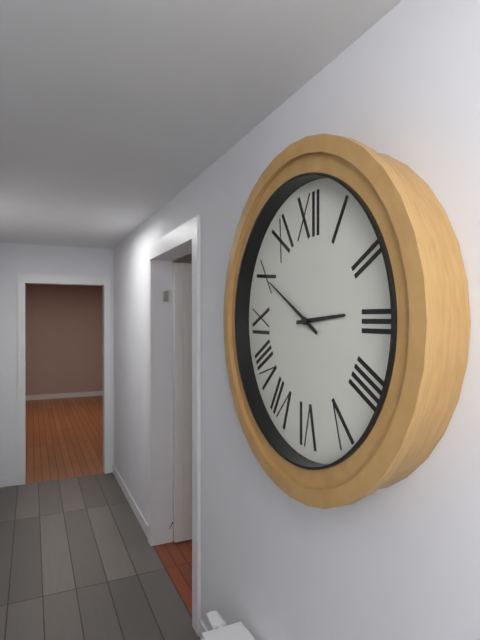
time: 2:50
